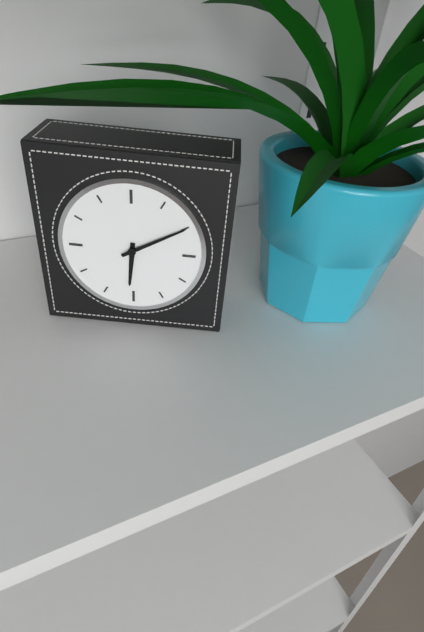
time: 6:10
